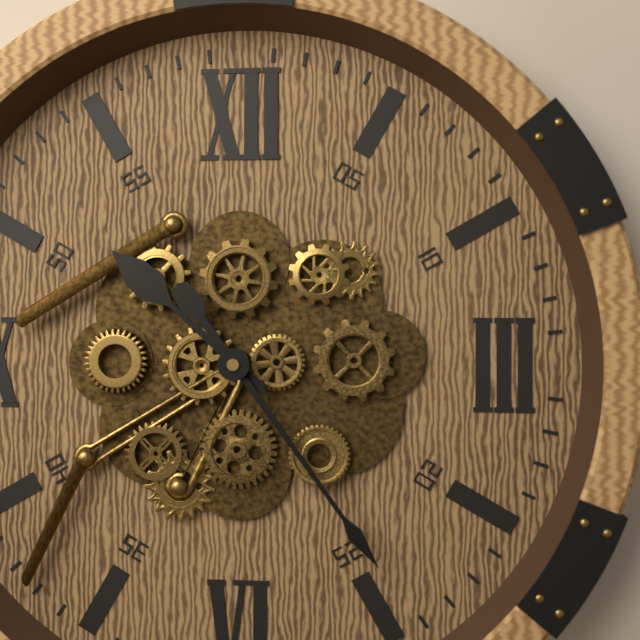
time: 10:24
